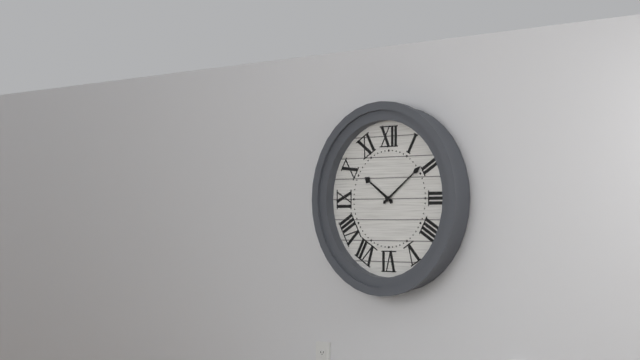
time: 10:09
